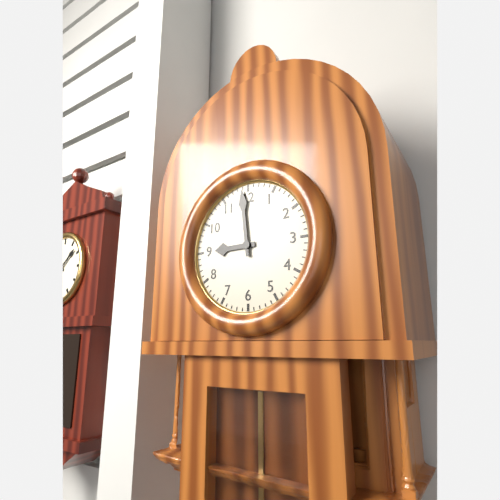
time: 8:59
